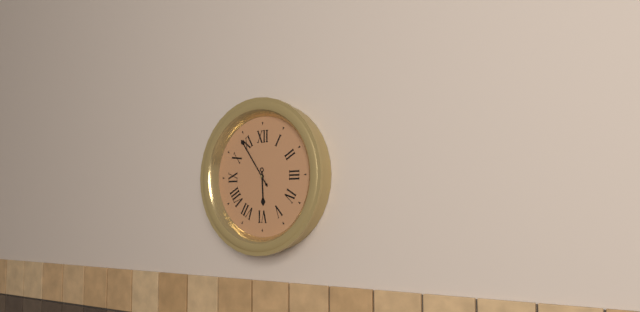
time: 5:54
